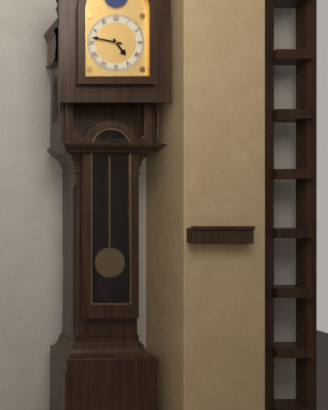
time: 4:47
